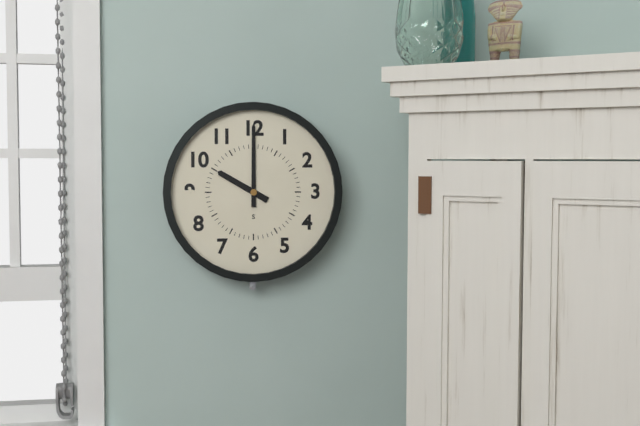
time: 10:00
